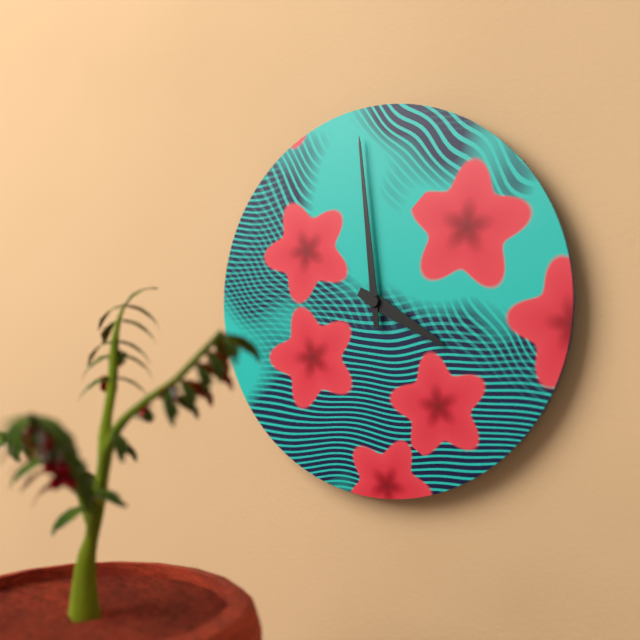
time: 3:59
